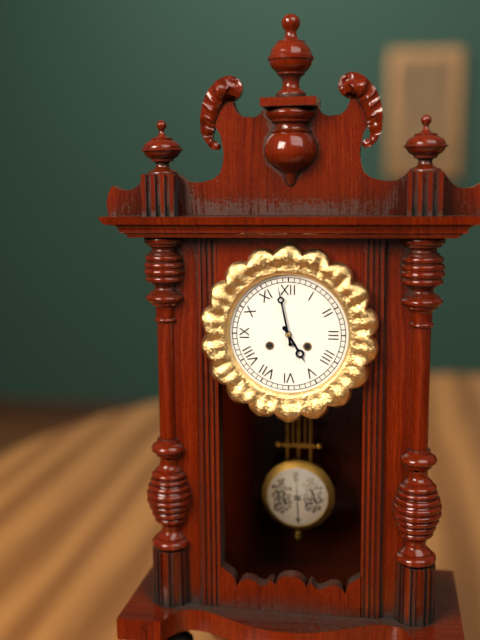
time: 4:58
